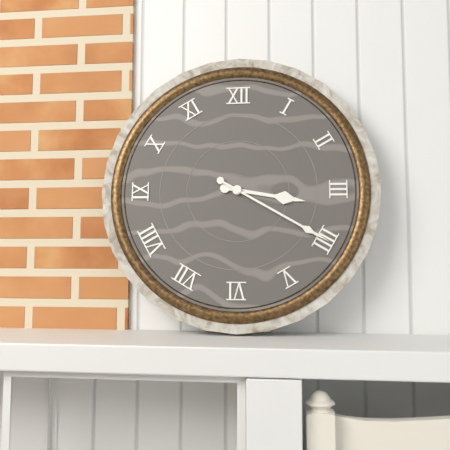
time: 3:20
